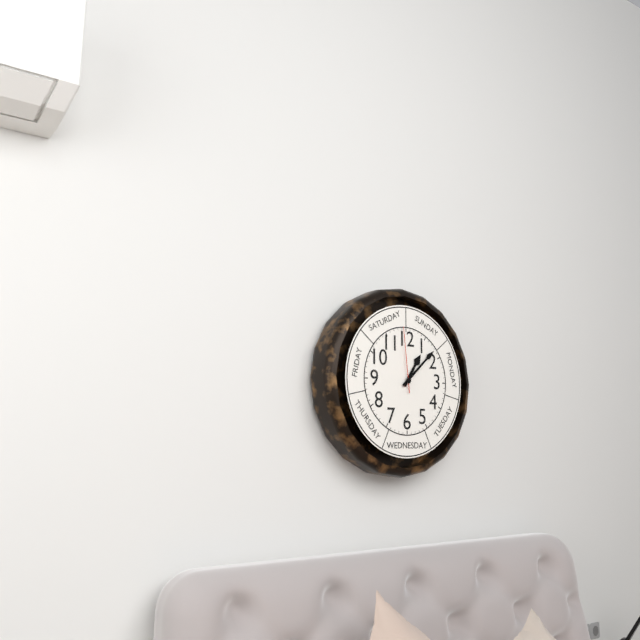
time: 1:08:59
